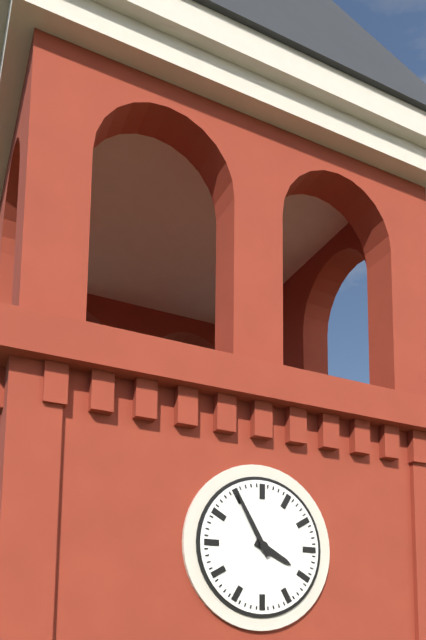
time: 3:55
